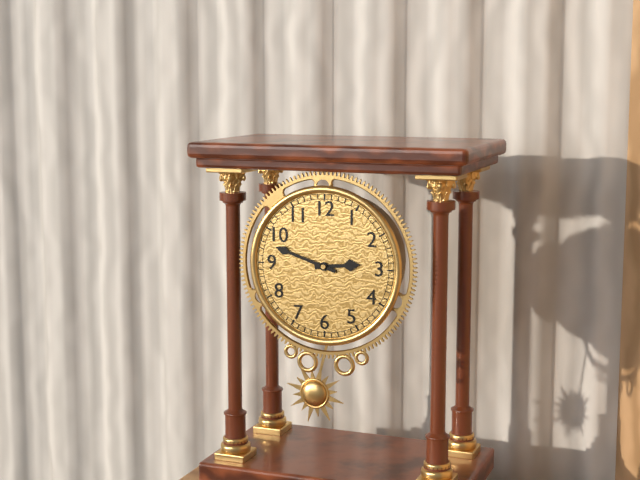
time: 2:48
